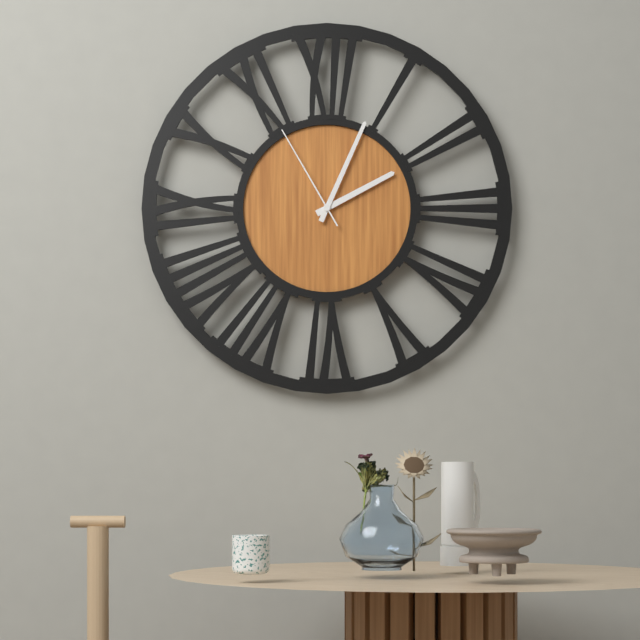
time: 2:04:55
